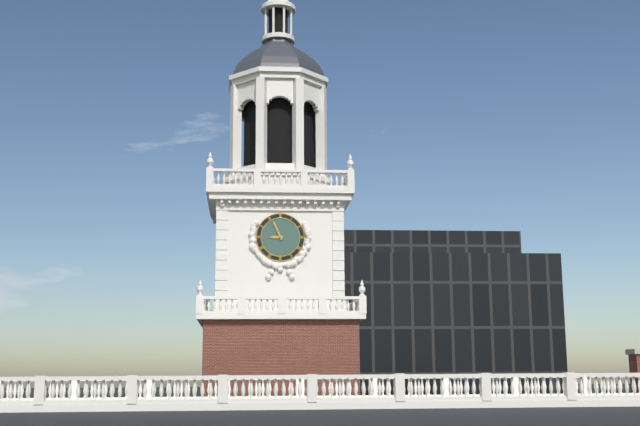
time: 8:56
